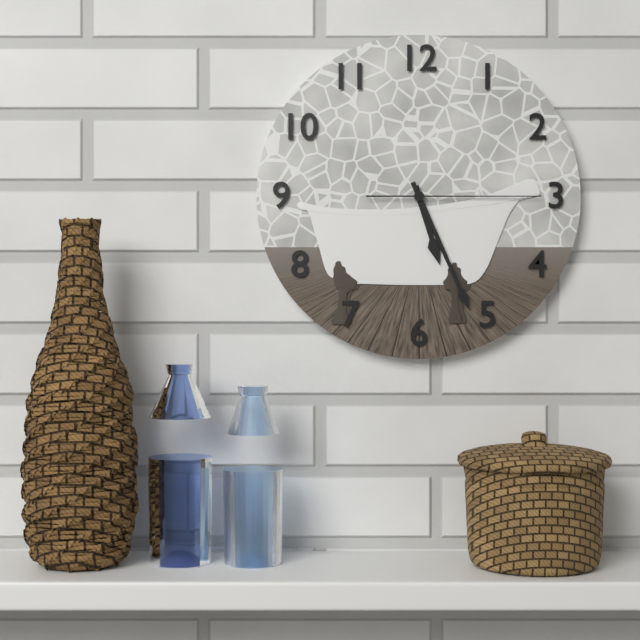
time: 5:26:15
